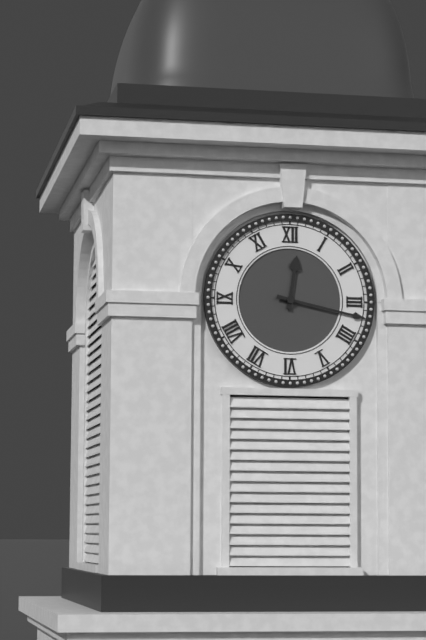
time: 12:17
